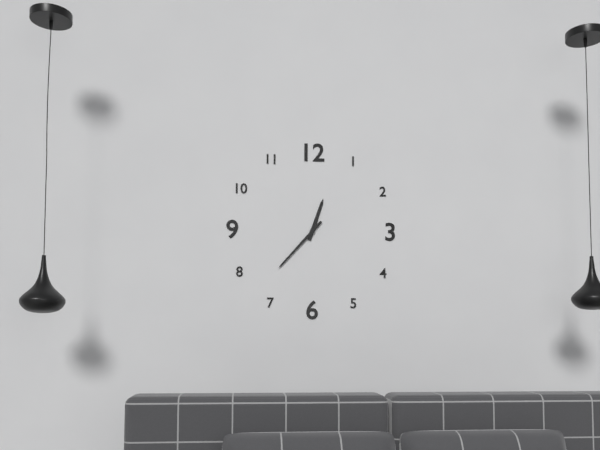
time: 12:37
